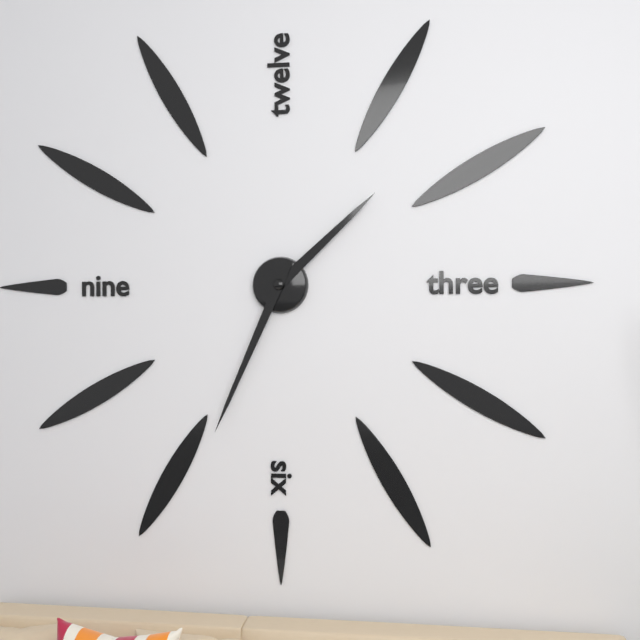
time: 1:34
